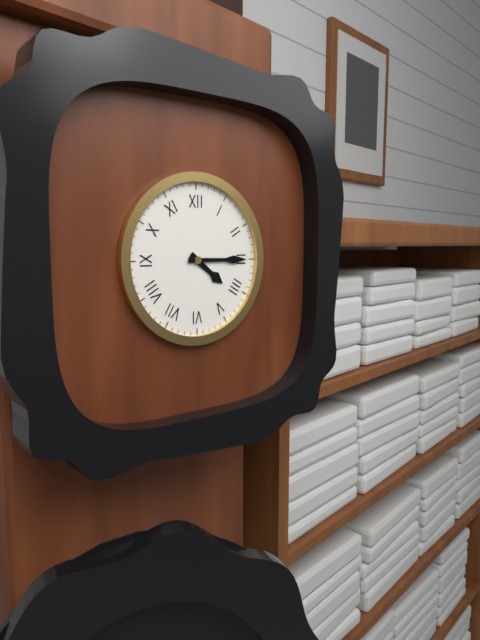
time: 4:15
